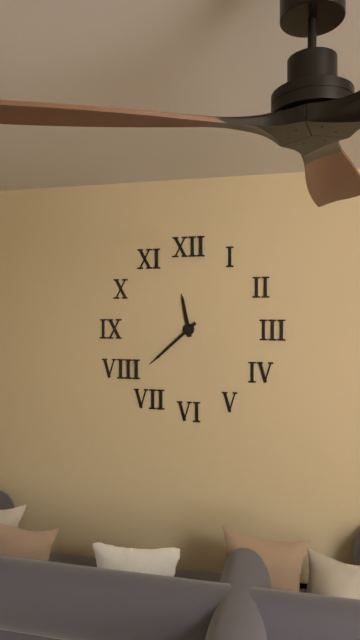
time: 11:38
